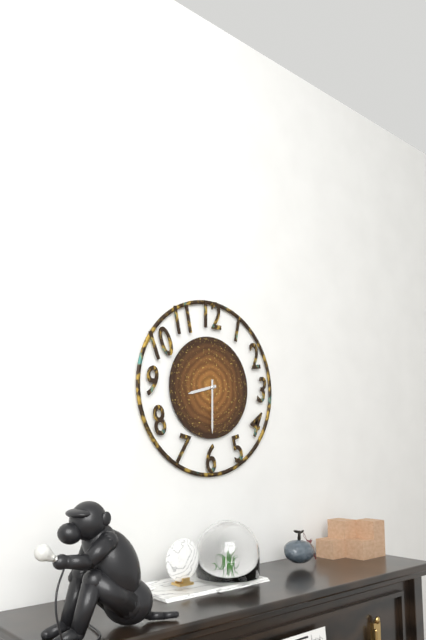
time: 8:30
